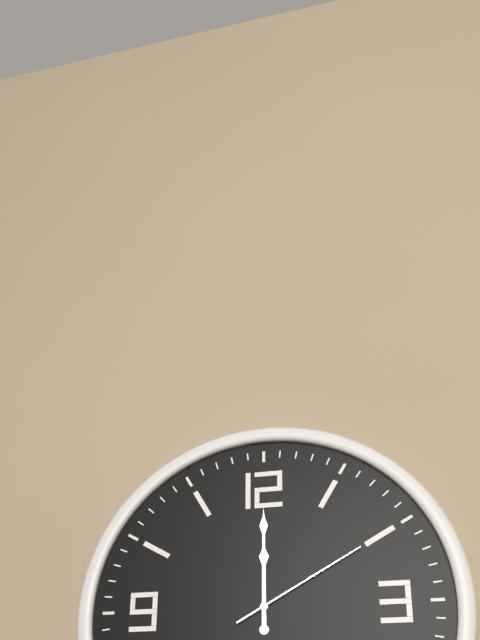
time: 12:00:10
